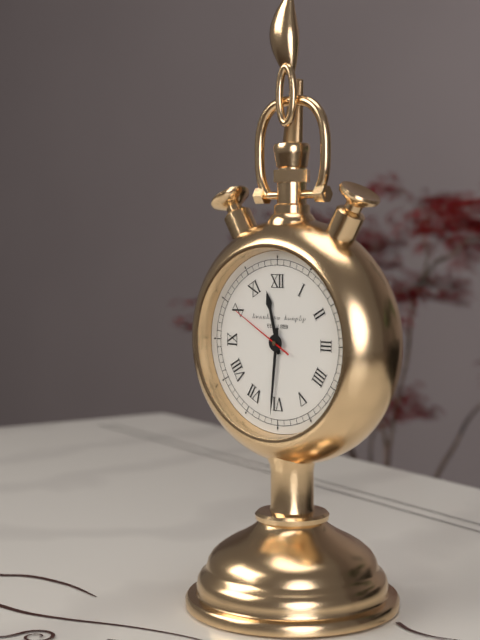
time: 11:31:50
